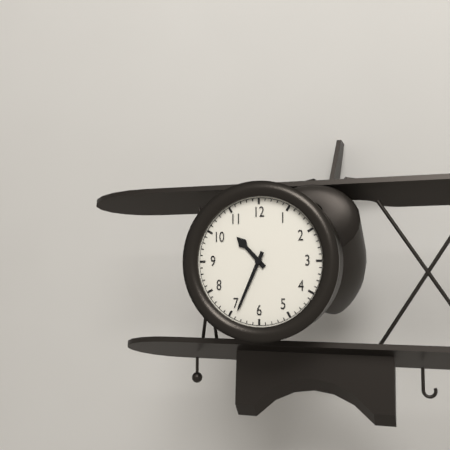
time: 10:34
